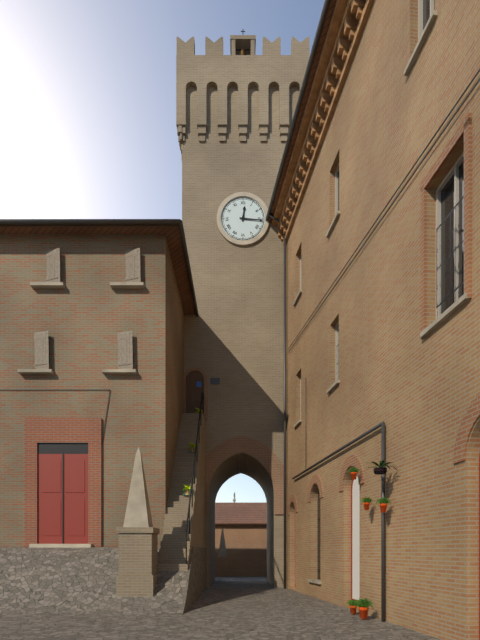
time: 12:16
